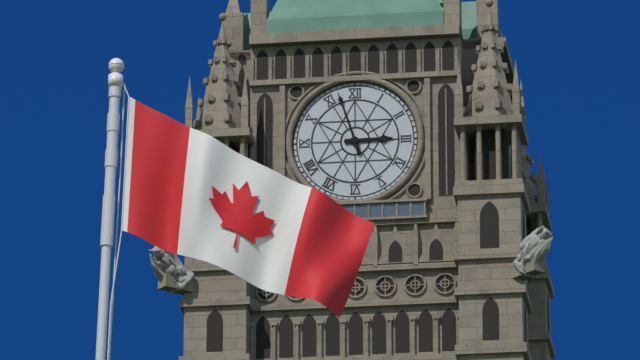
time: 2:57
